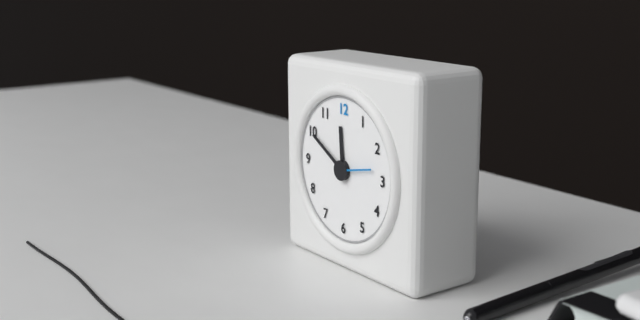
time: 11:50
